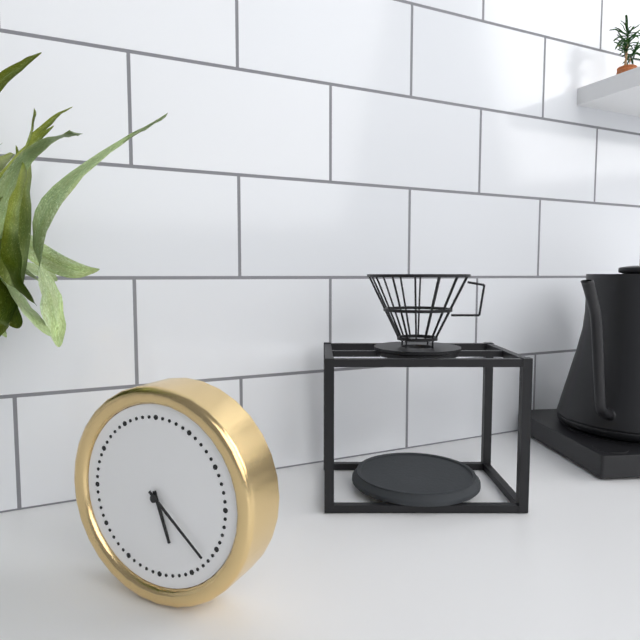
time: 5:22
